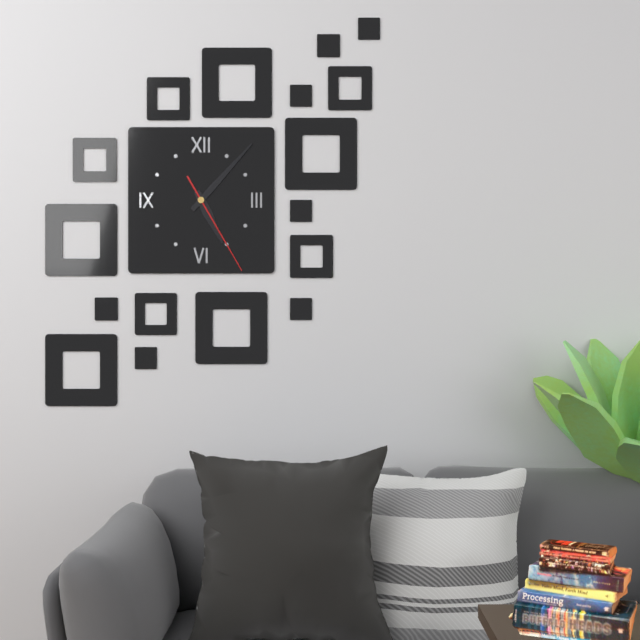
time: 5:07:25
